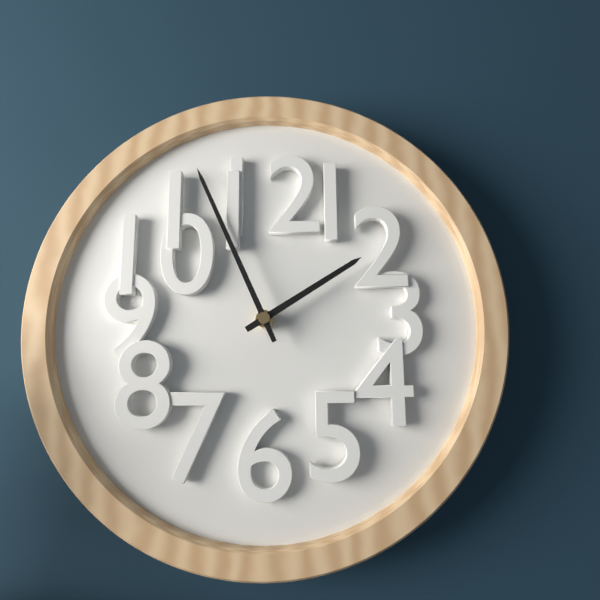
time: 1:56
